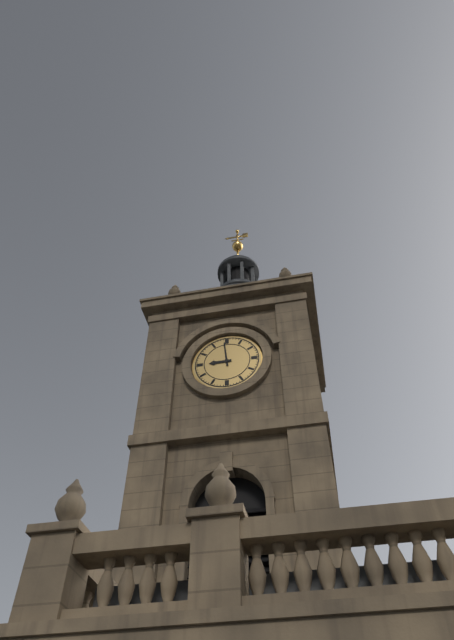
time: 8:59
